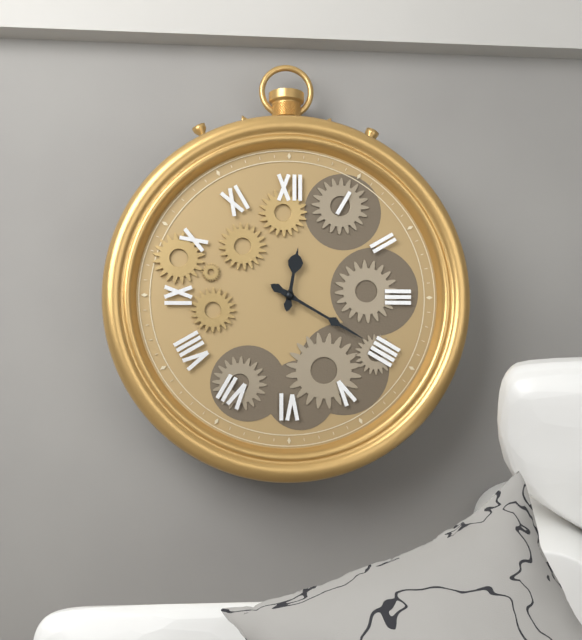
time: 12:20
